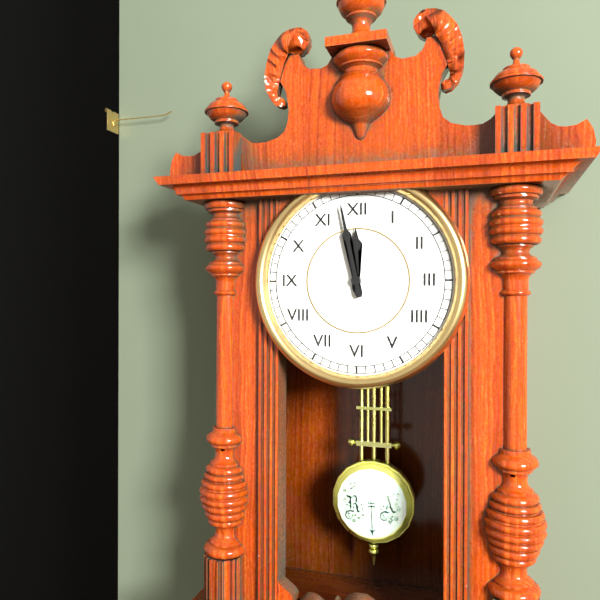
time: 11:58
